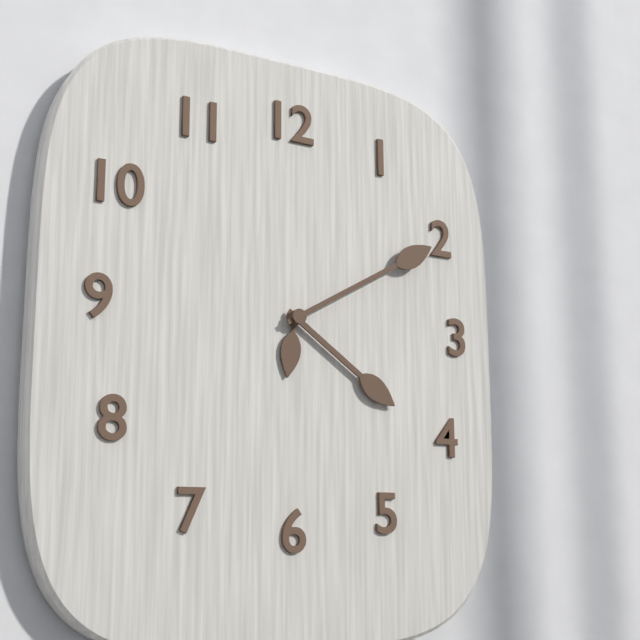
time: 4:10
